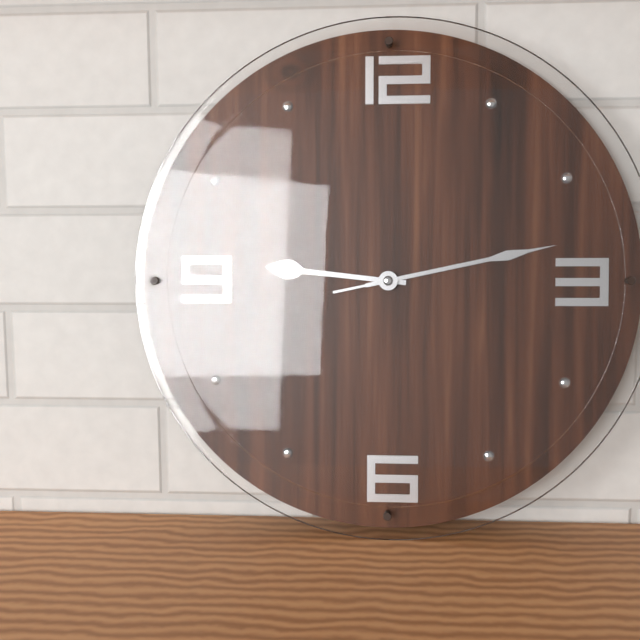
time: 9:13:13
